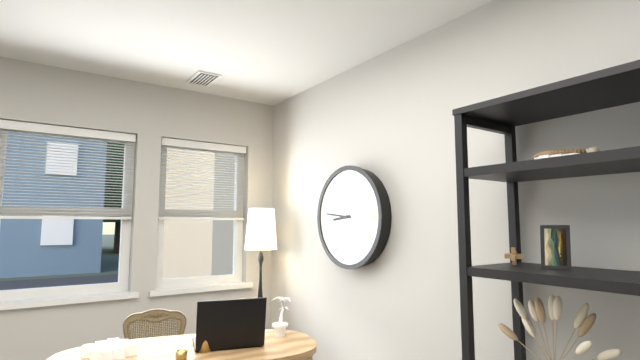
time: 8:46
